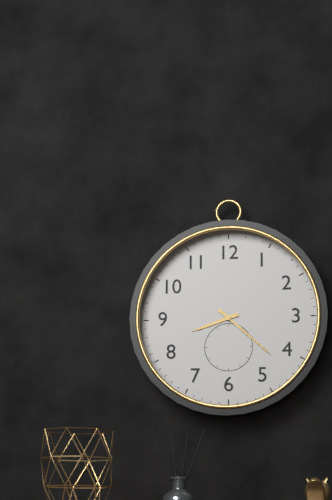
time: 8:22
